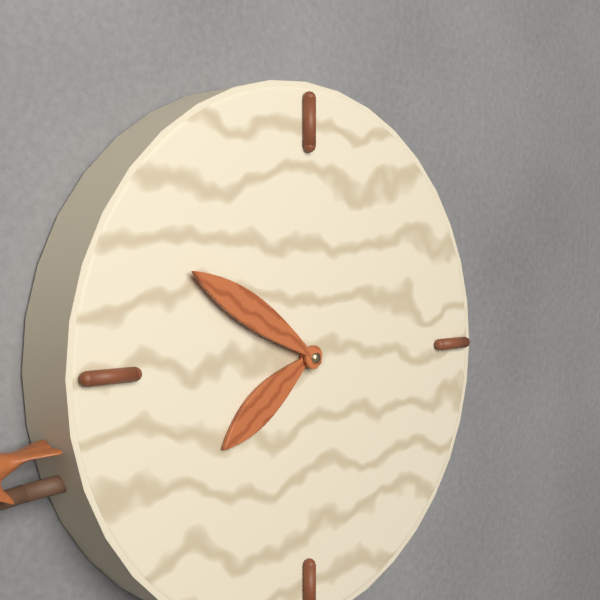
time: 7:50
